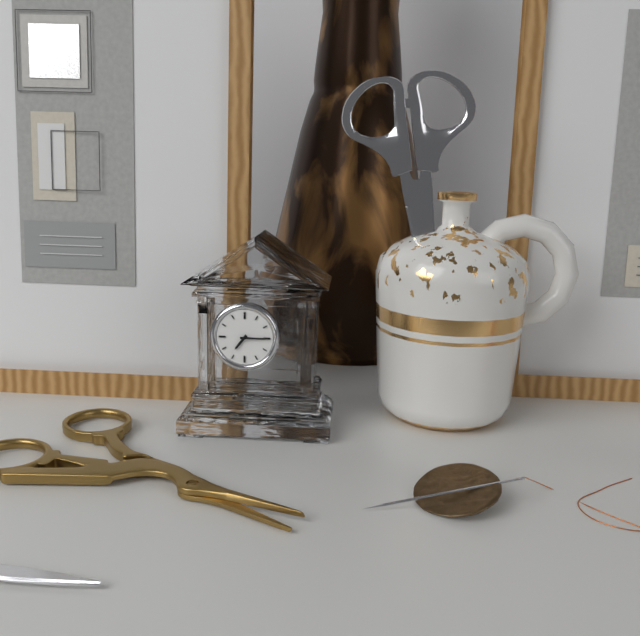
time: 7:15
